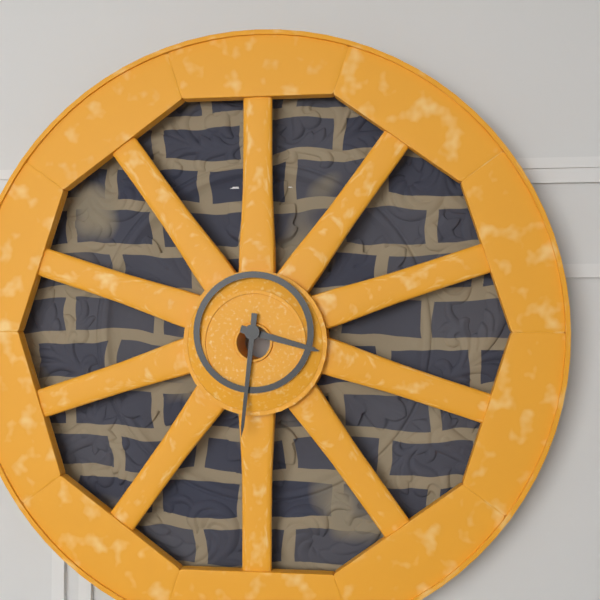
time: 3:31
